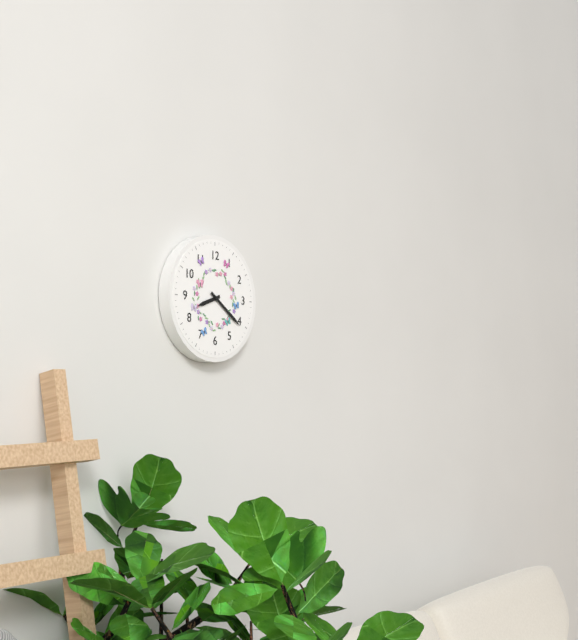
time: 8:21
